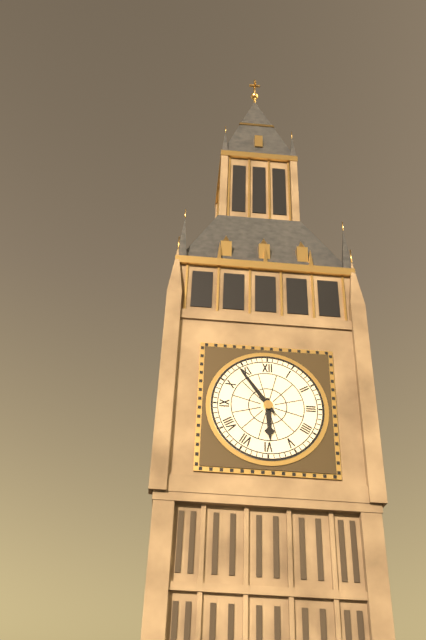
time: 5:54
